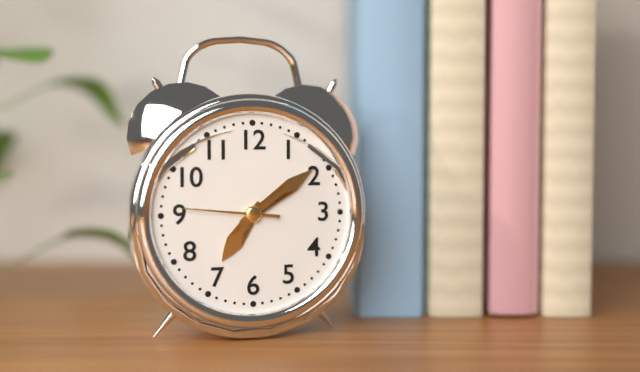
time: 7:09:46
